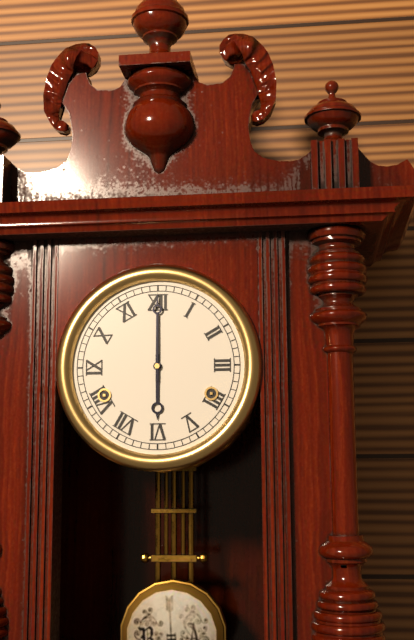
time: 6:00
